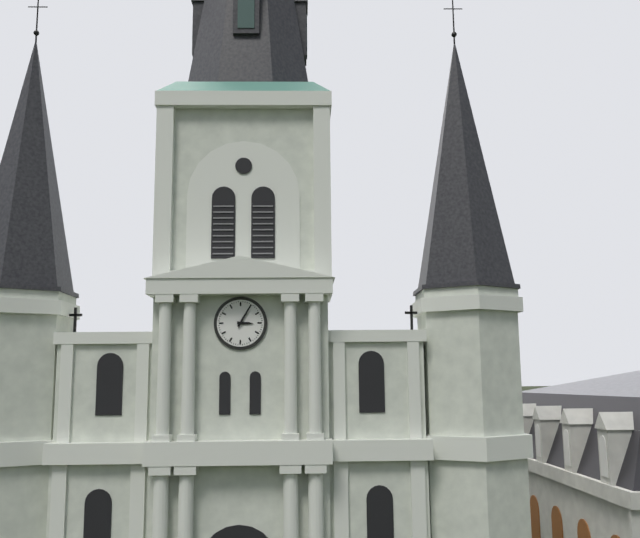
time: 3:05
